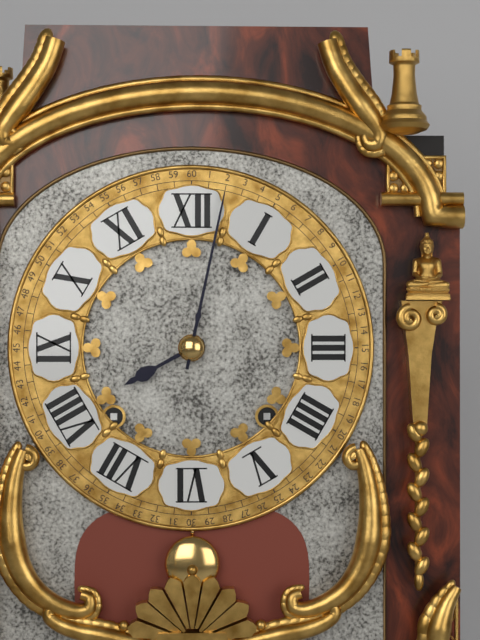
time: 8:02
